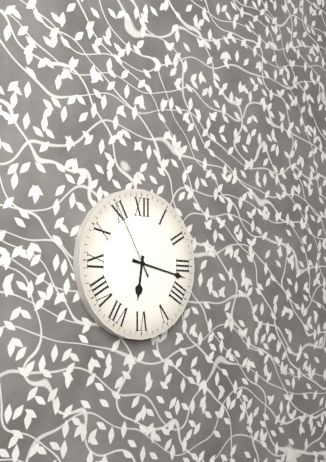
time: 6:17:55
